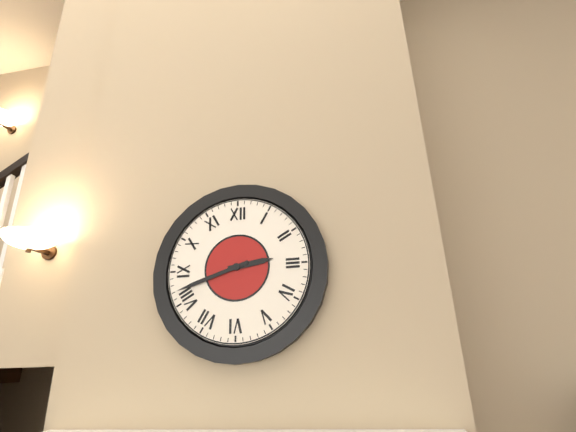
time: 2:42
